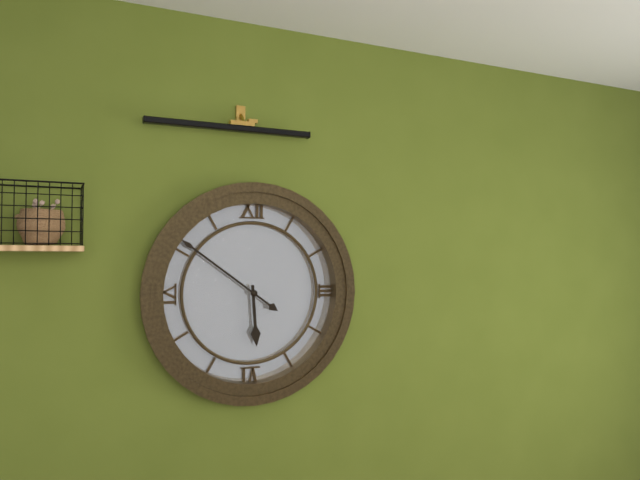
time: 5:51
